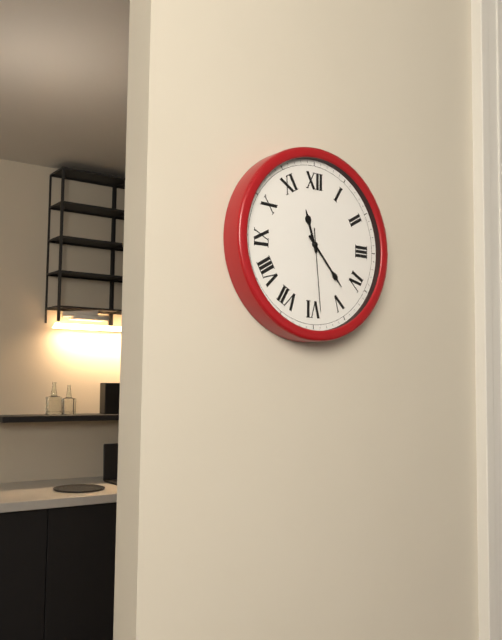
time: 11:23:29
